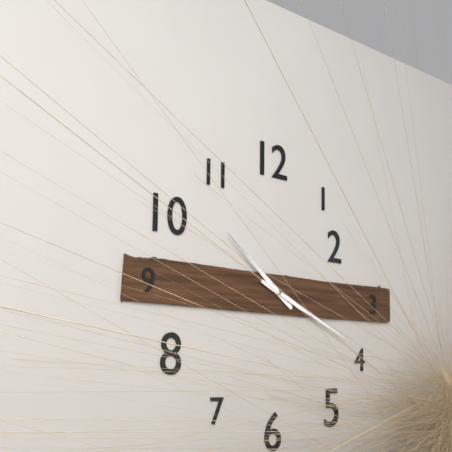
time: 10:19
